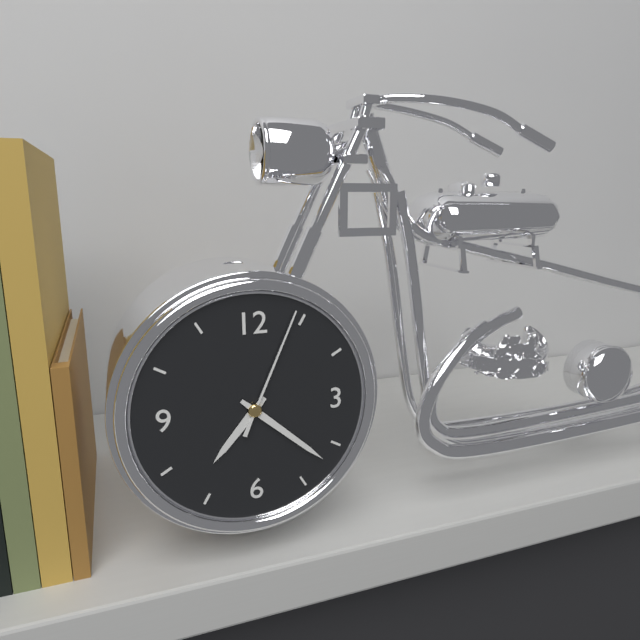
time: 7:22:04
